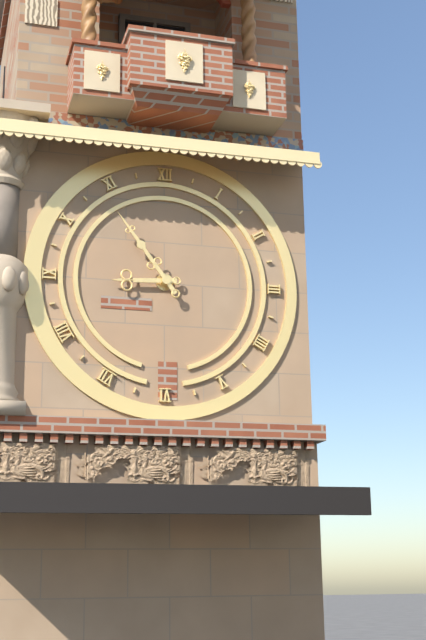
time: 8:54
